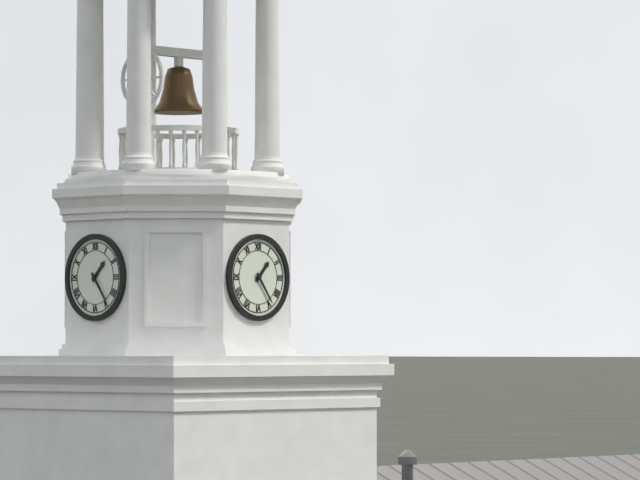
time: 1:24
